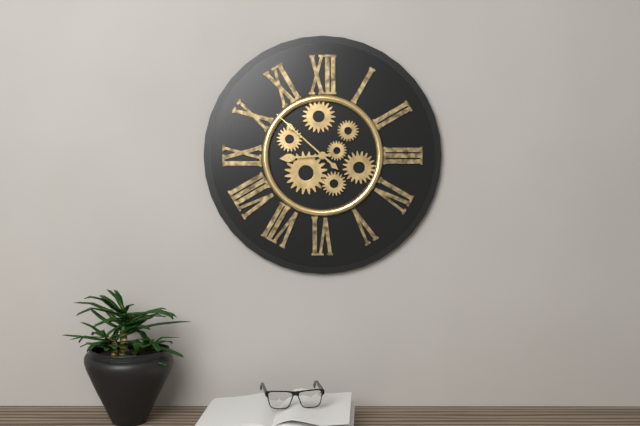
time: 8:52
